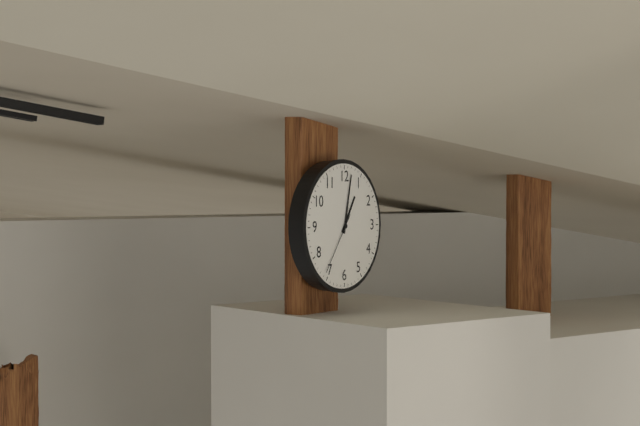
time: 1:02:36
